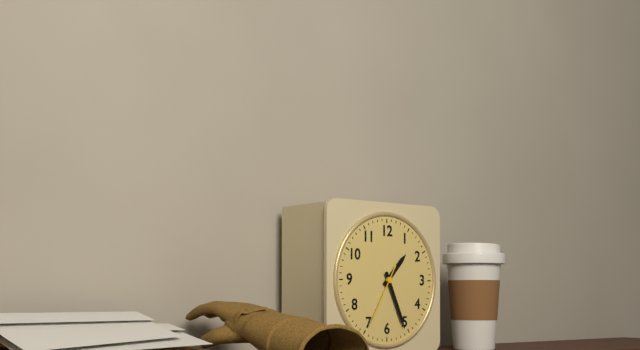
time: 1:26:35
